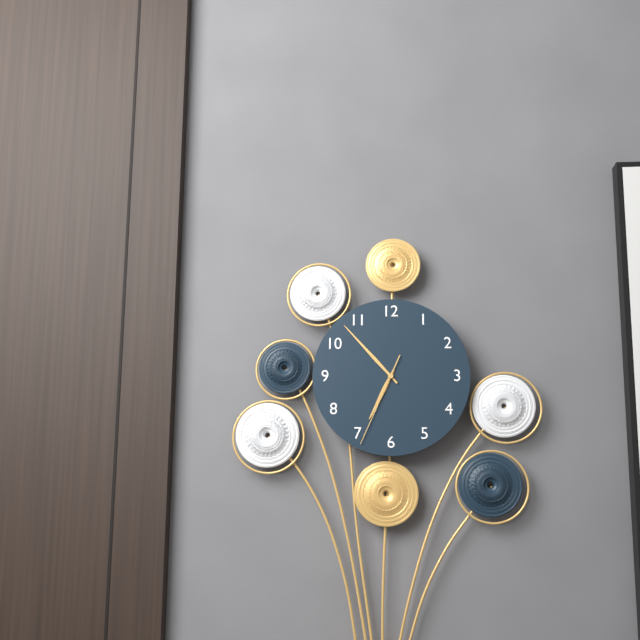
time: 6:53:34
